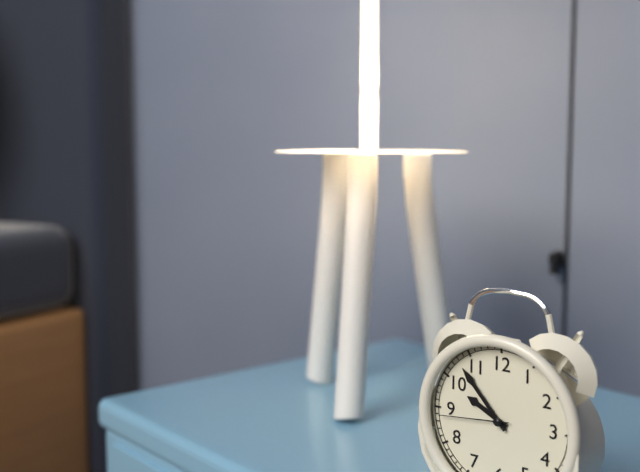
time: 9:53:44
